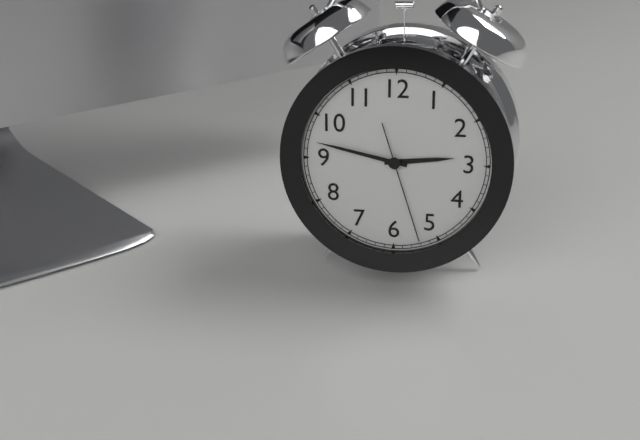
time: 2:47:27
